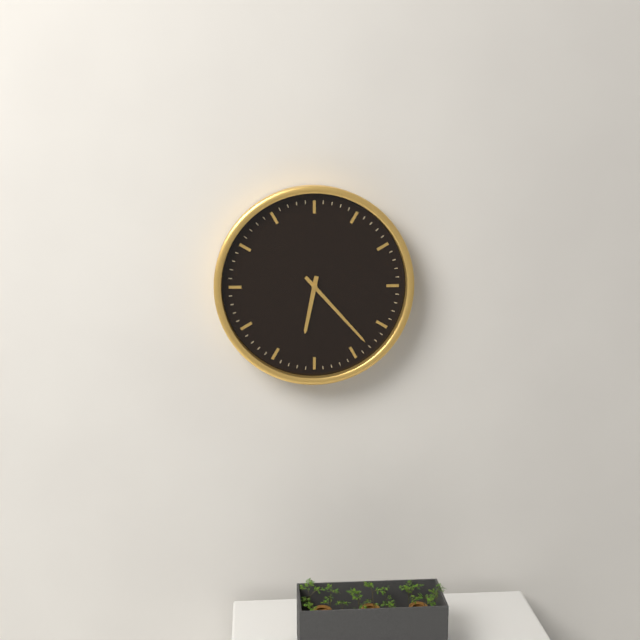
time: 6:23
